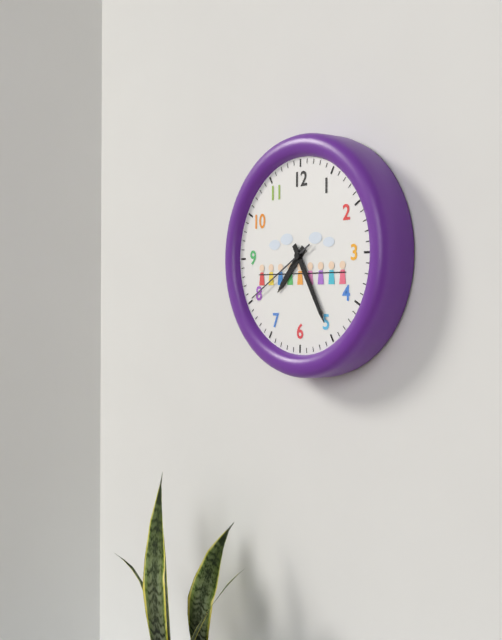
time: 7:25:40
